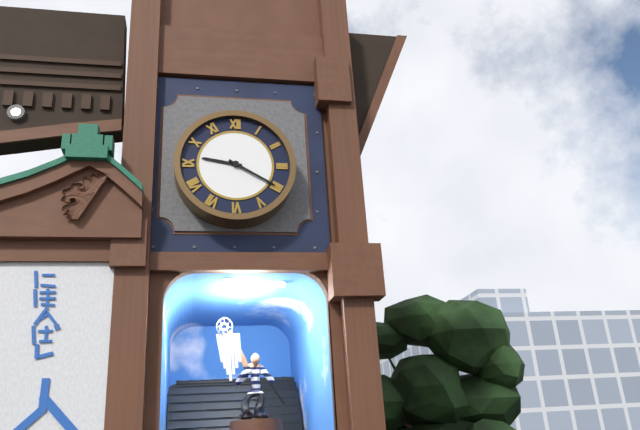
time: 9:20
